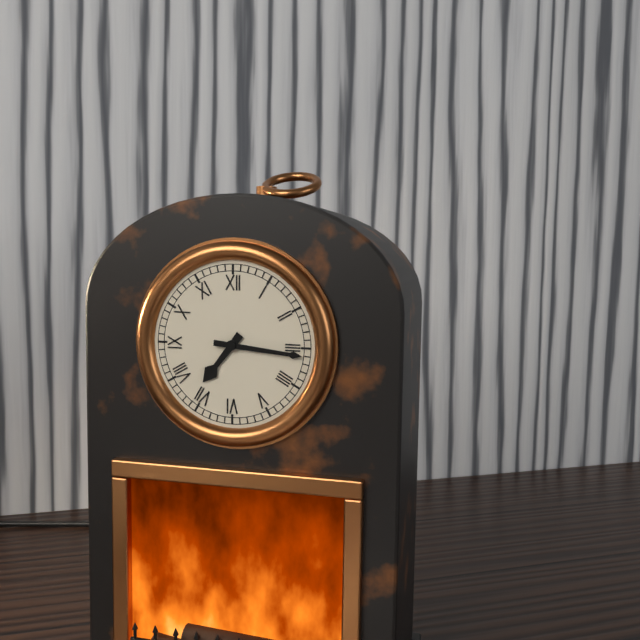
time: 7:16
